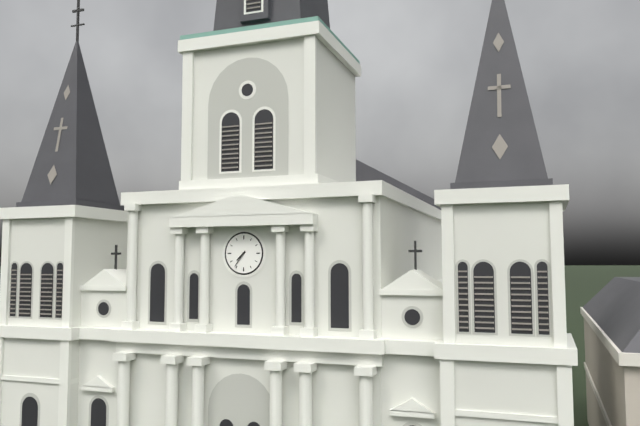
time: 7:36
